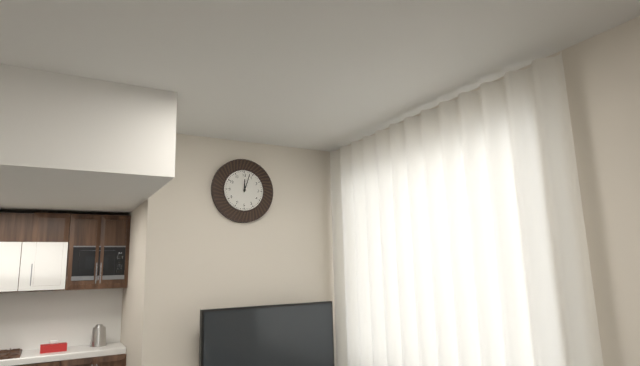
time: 12:03
